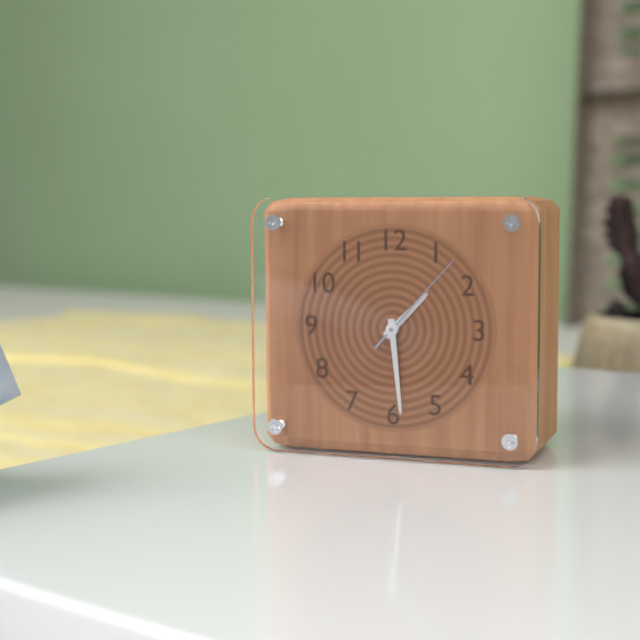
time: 1:29:07
